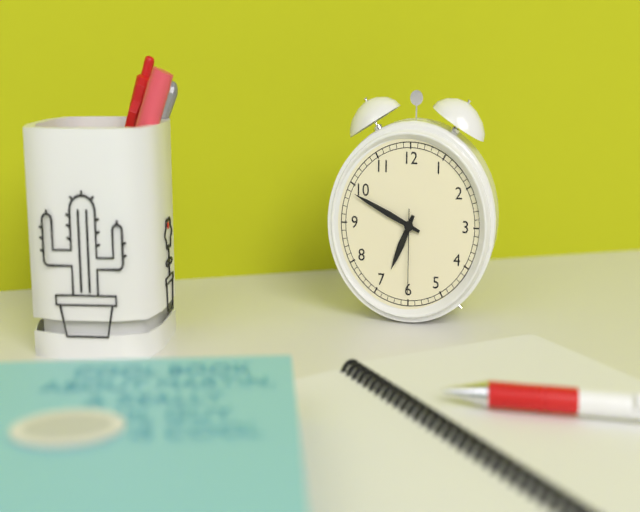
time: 6:49:30
